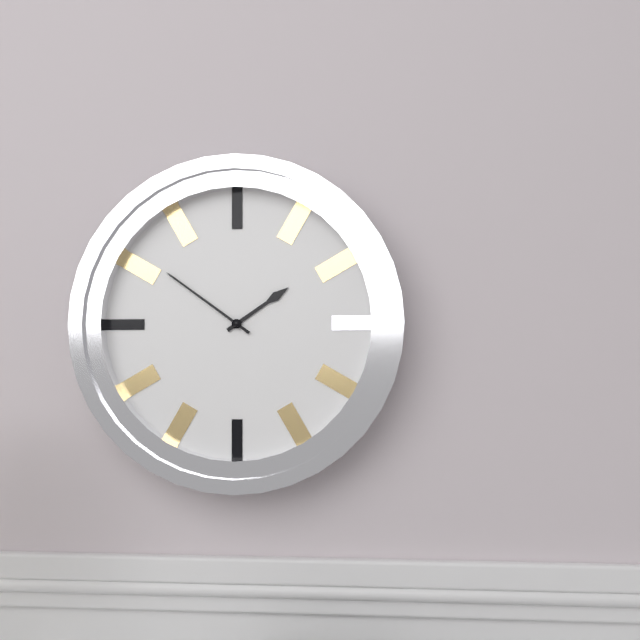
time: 1:51
